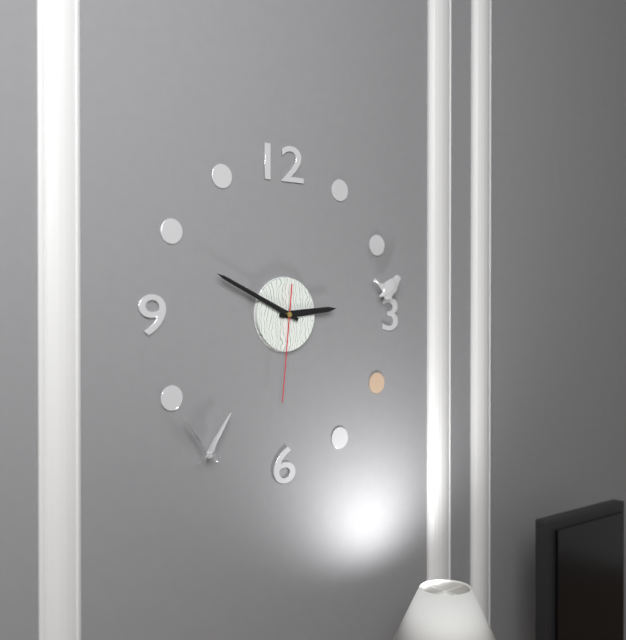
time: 2:49:31
